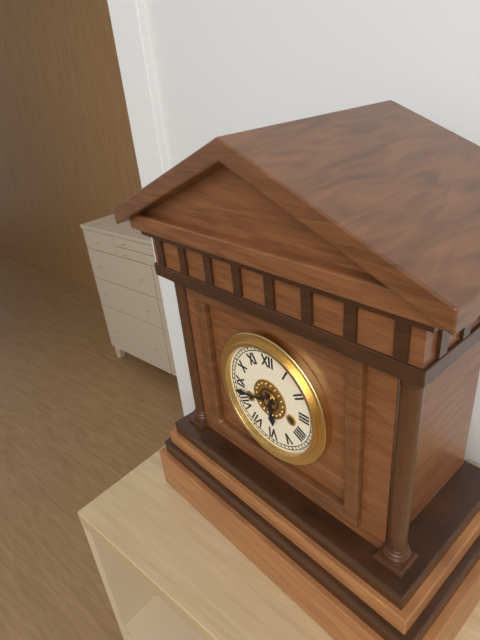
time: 5:43
